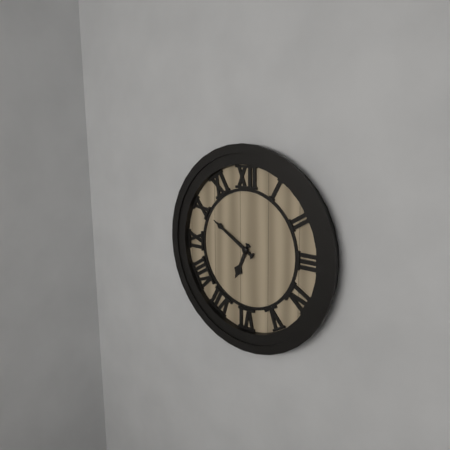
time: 6:50
